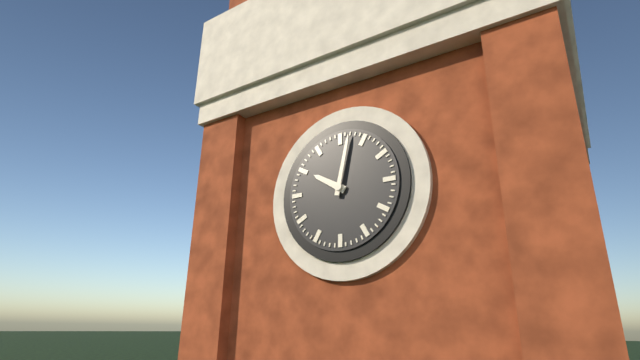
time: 10:02
